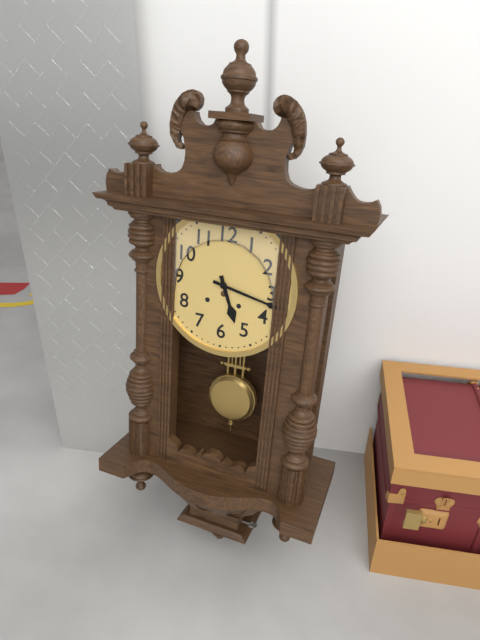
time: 5:17
